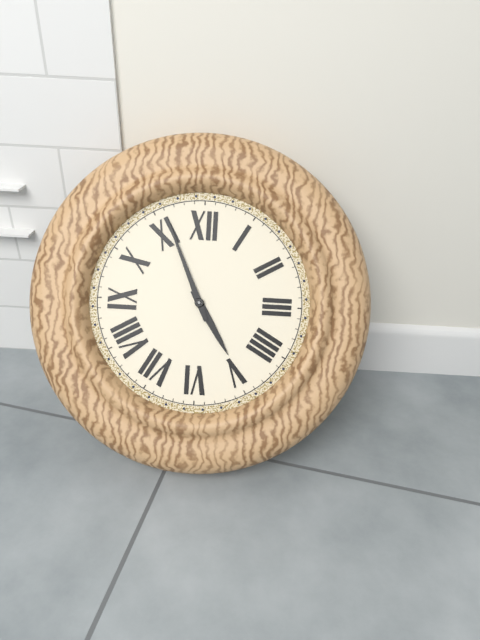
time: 4:56
